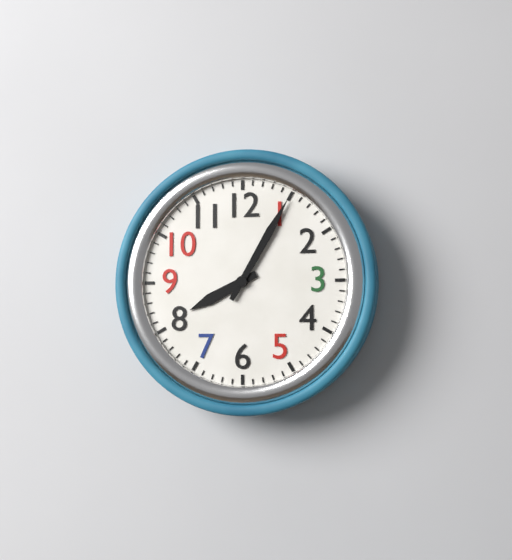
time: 8:05
